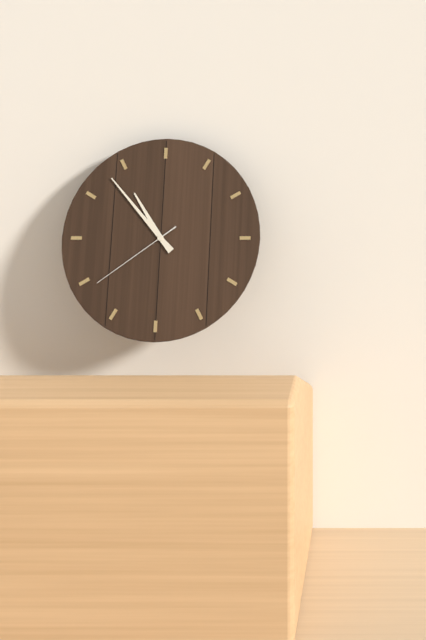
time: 10:53:39
